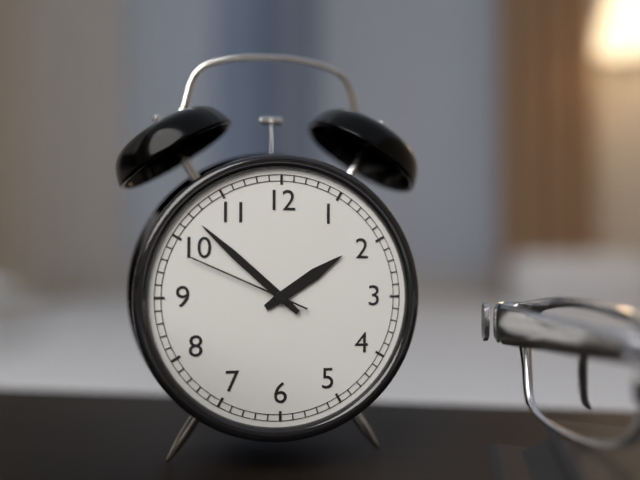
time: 1:52:49
